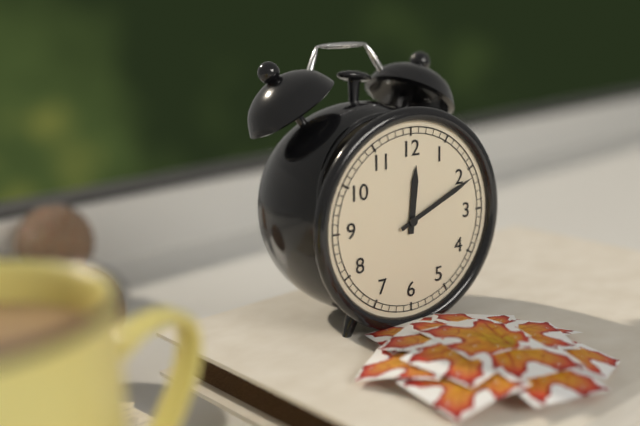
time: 12:11
